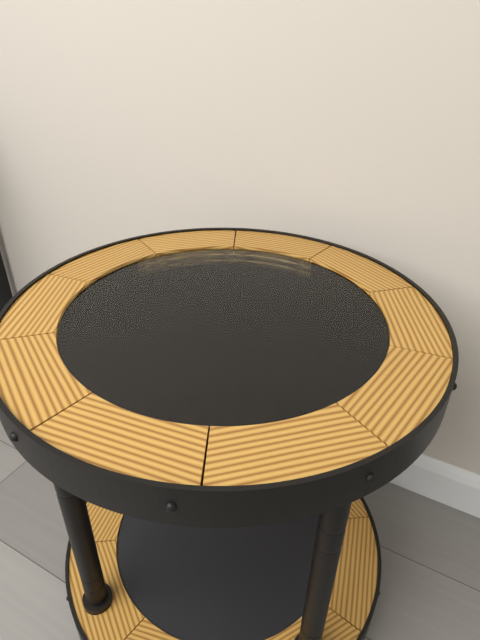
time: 4:56
